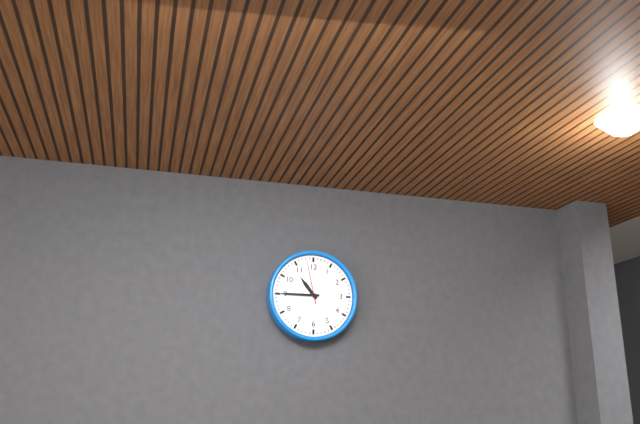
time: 10:45
